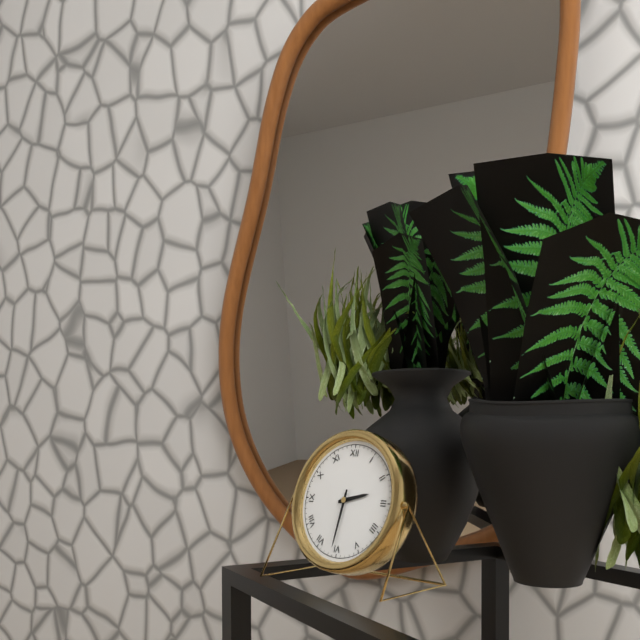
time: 2:31
